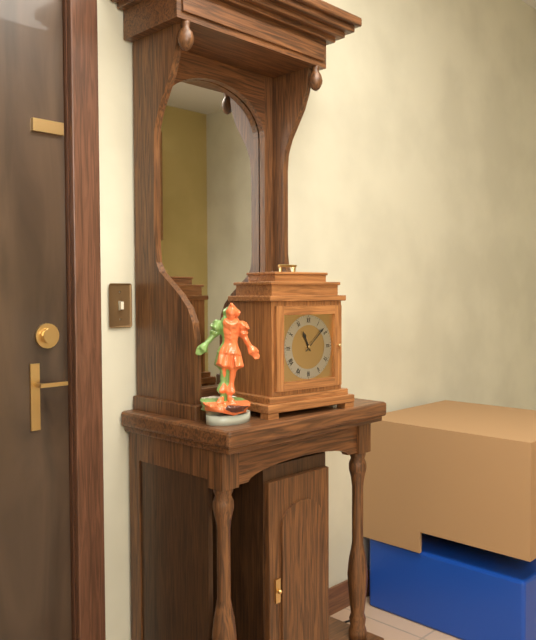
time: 11:08
